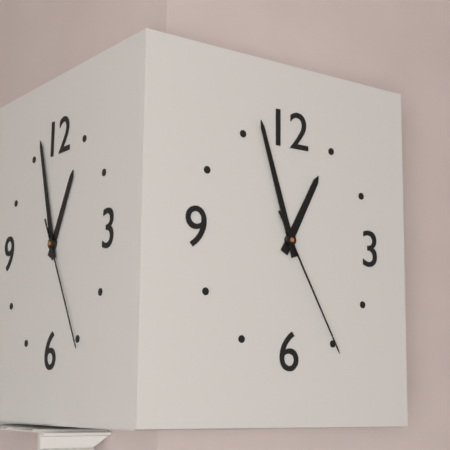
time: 12:57:25
